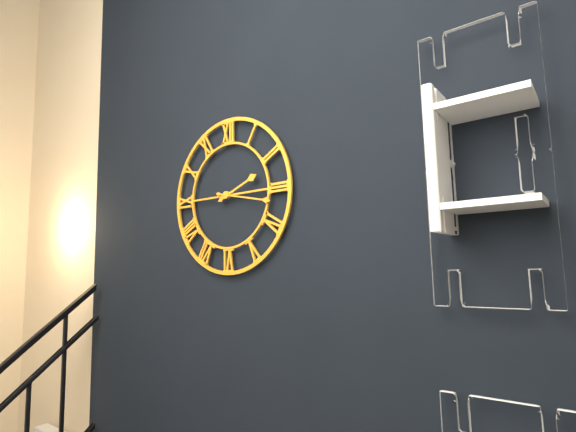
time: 2:17
